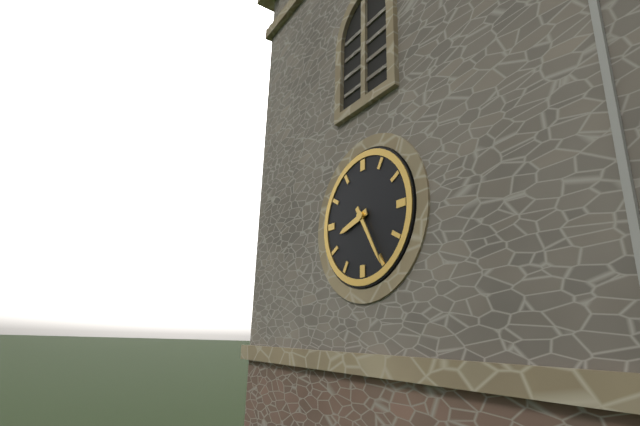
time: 8:25
